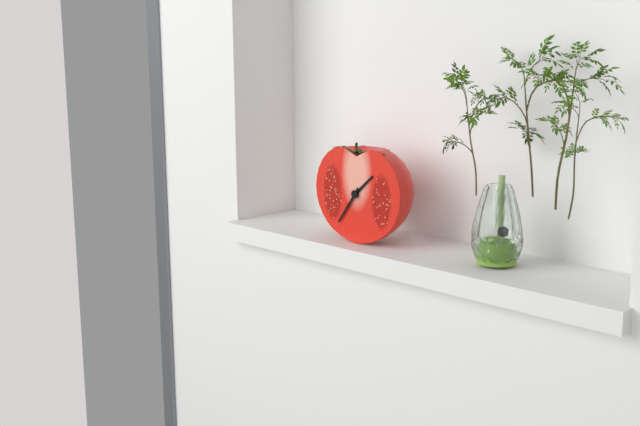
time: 1:36
